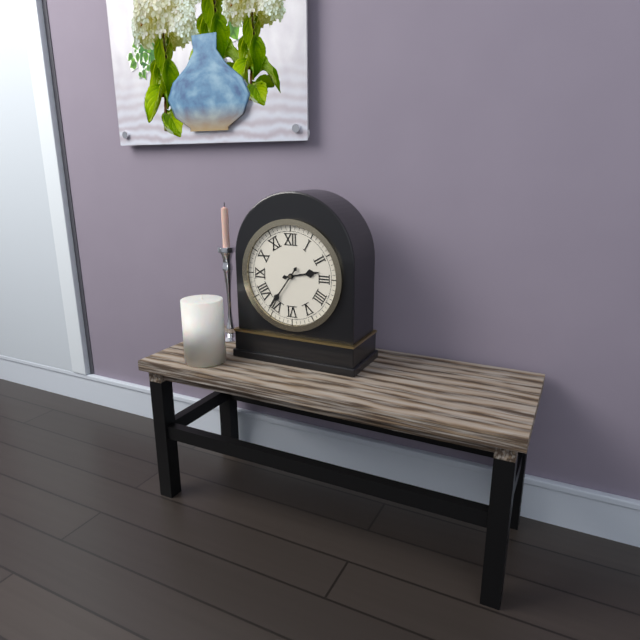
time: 2:36
